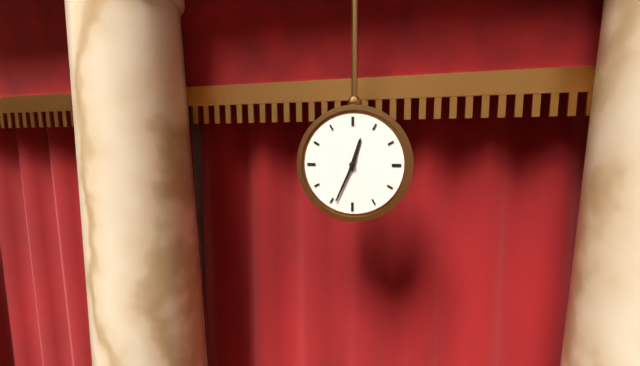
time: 12:34
